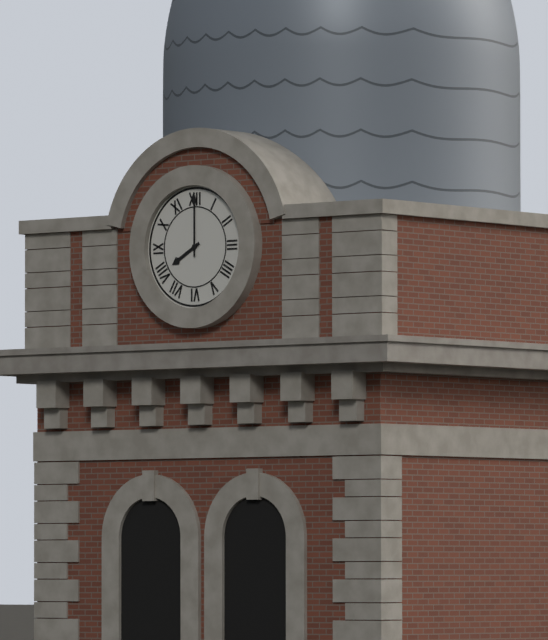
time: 8:00
